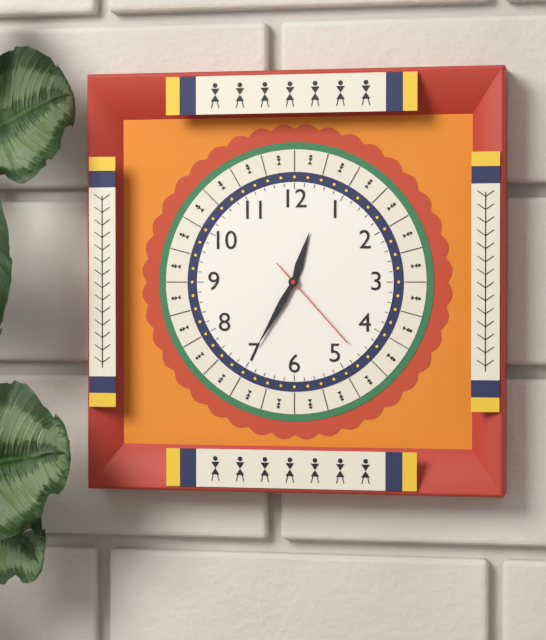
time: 12:35:23
